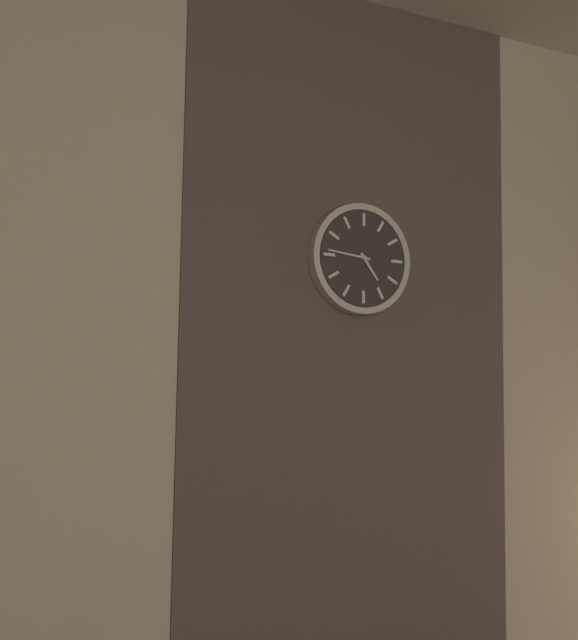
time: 4:46
